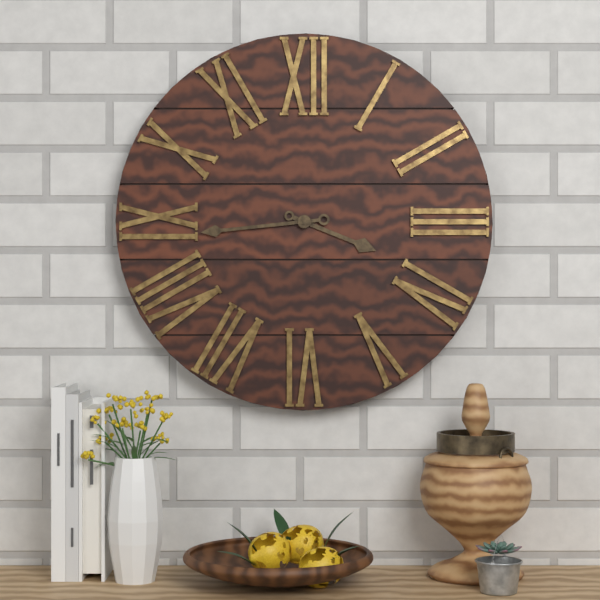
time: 3:44
